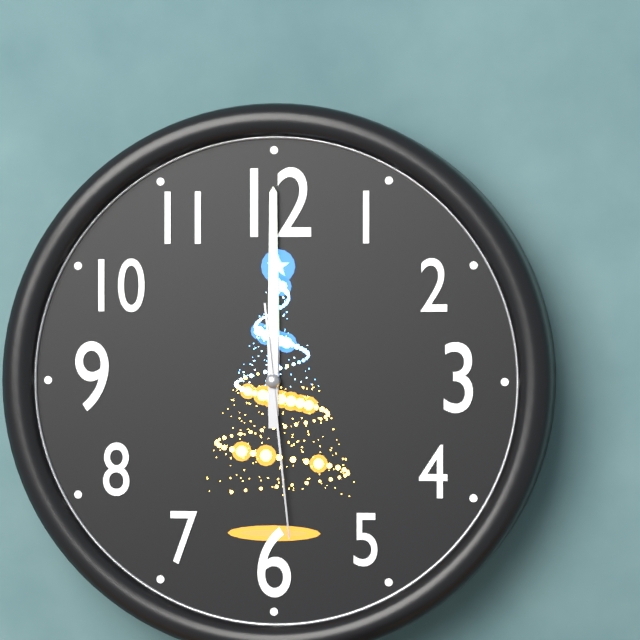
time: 12:00:29
